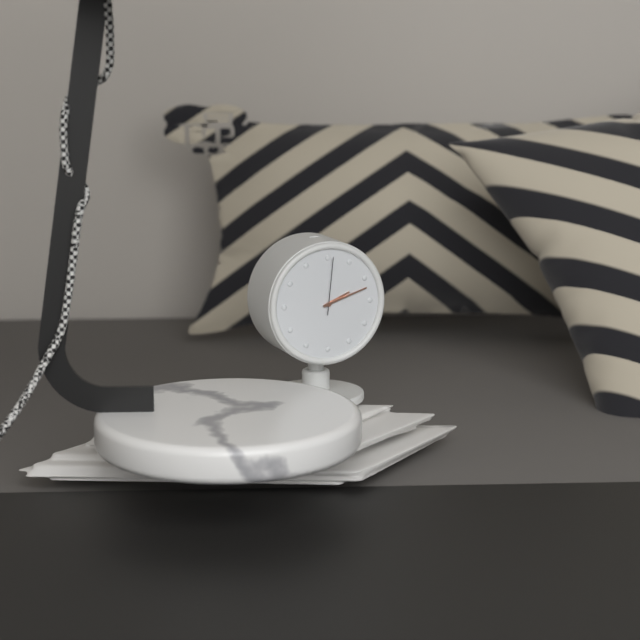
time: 2:12:01
